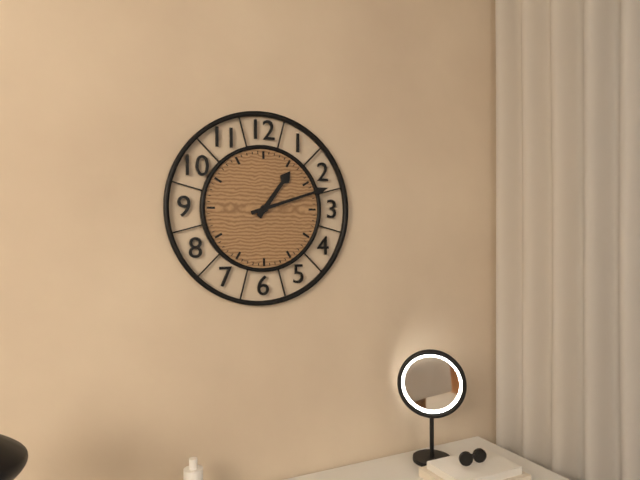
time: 1:12
